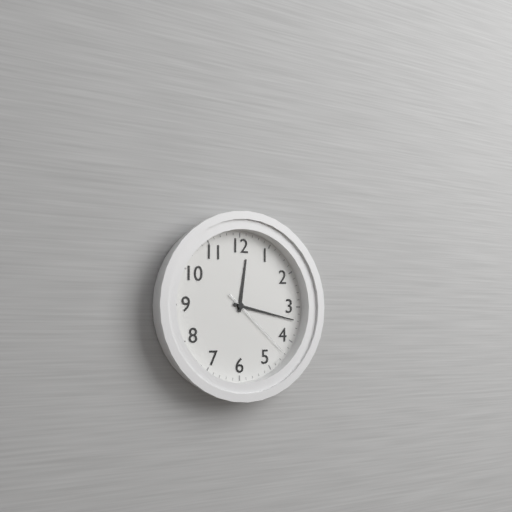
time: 12:17:22
